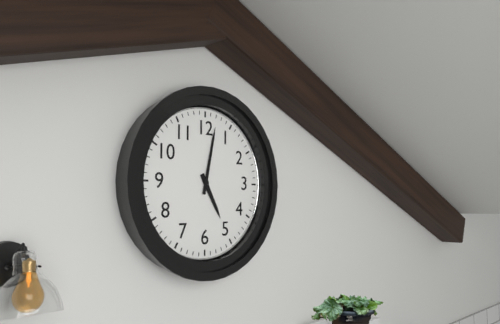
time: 5:02
